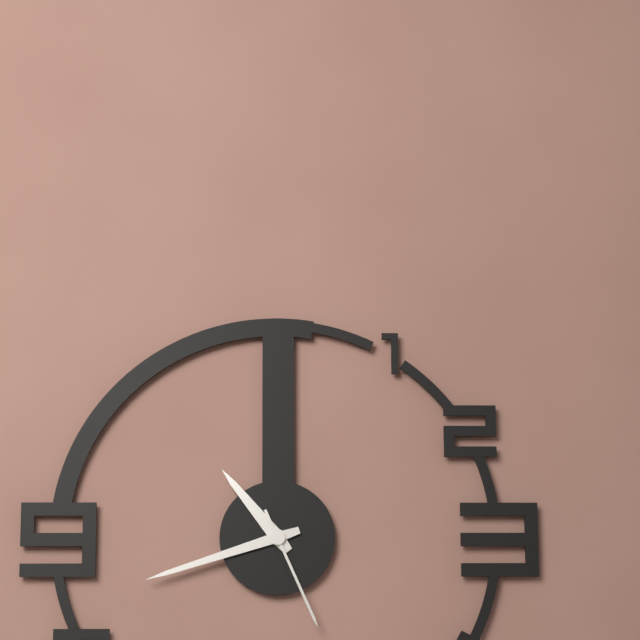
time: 10:42:26
